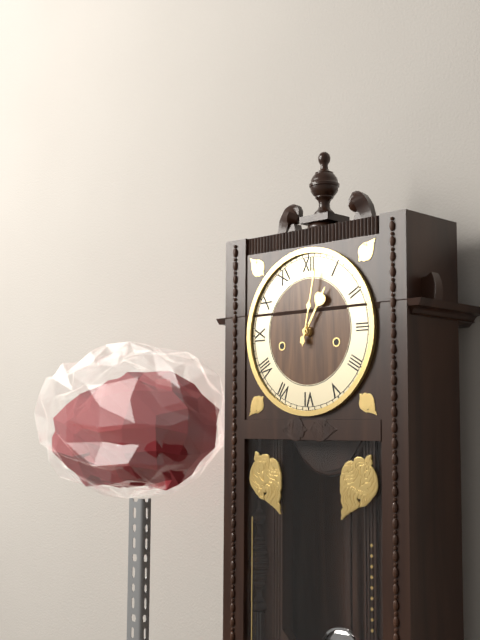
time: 1:02
